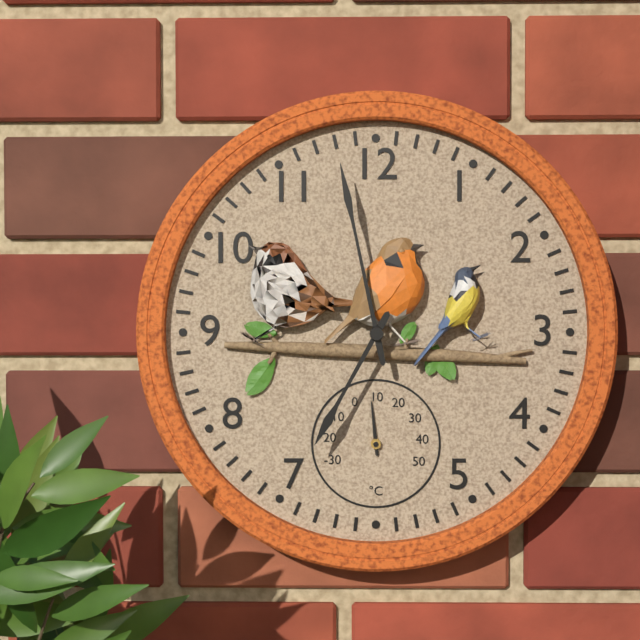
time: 6:58
